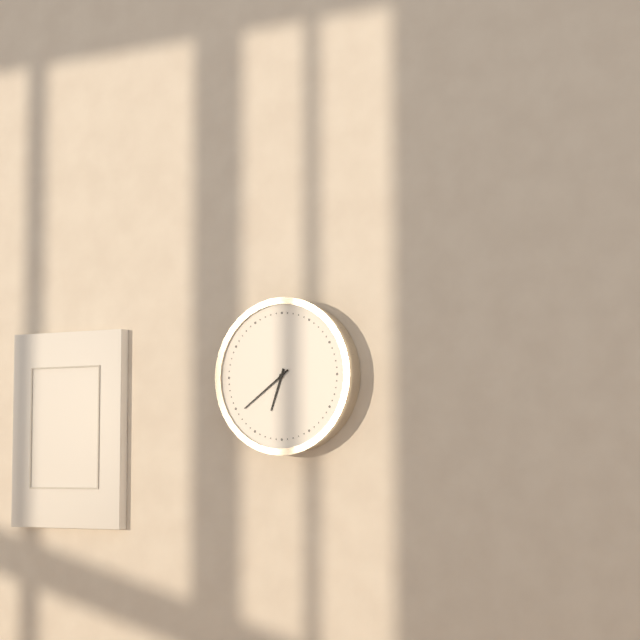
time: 6:39
